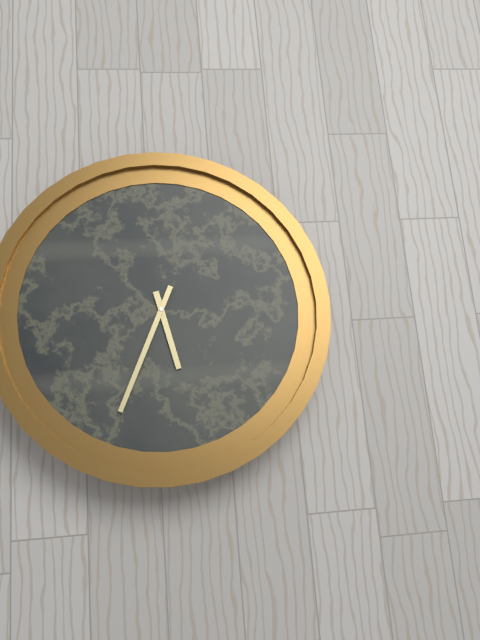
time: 5:34
